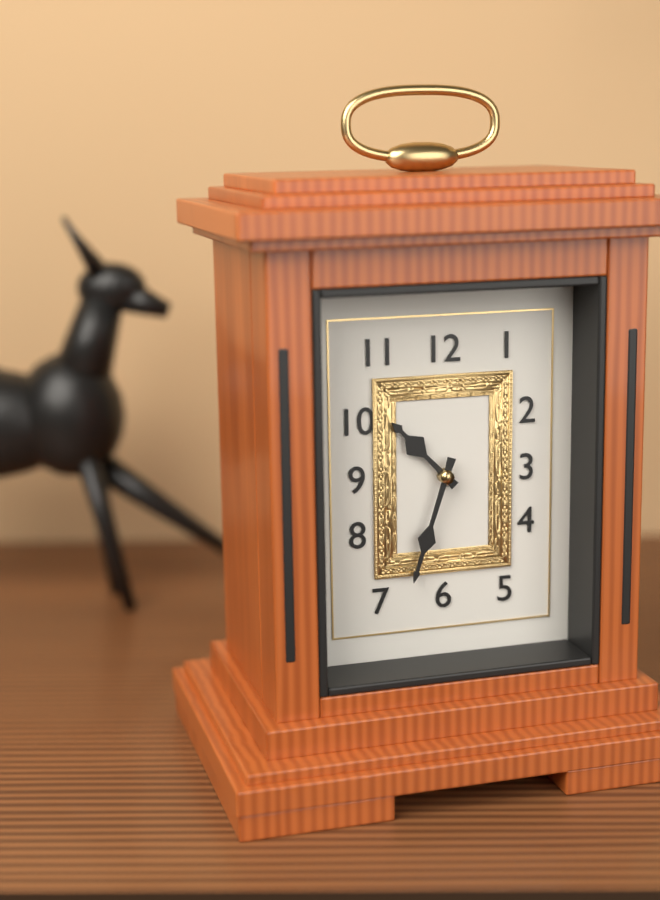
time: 10:33
